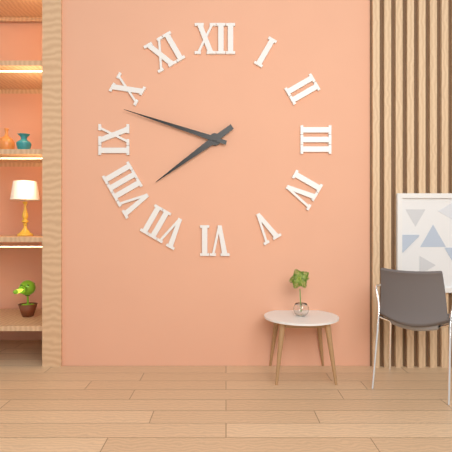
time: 7:48
